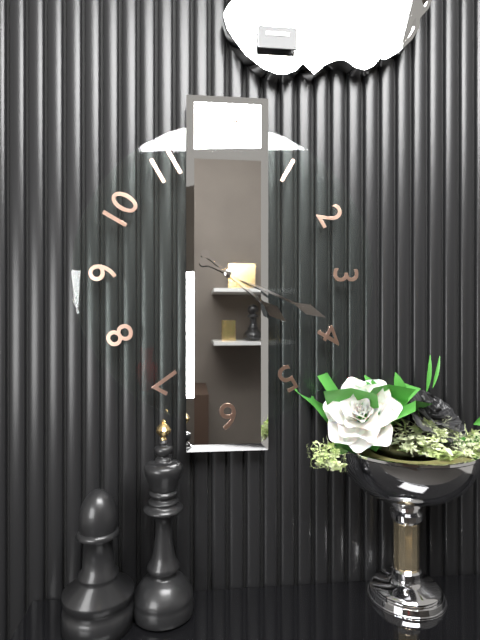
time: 4:19
